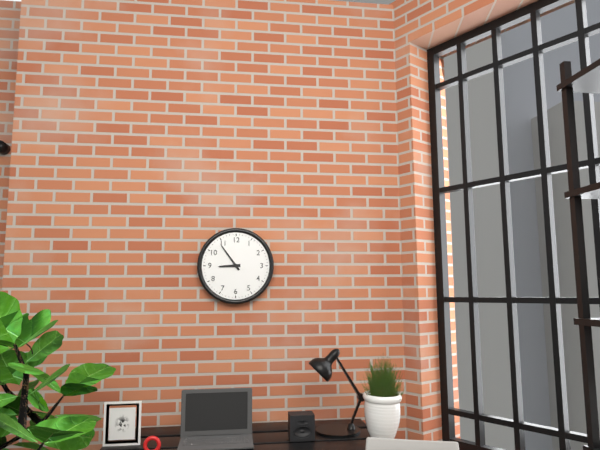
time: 8:54
